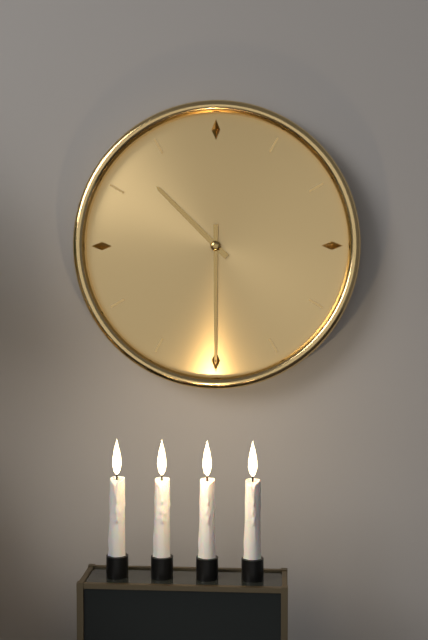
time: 10:30
